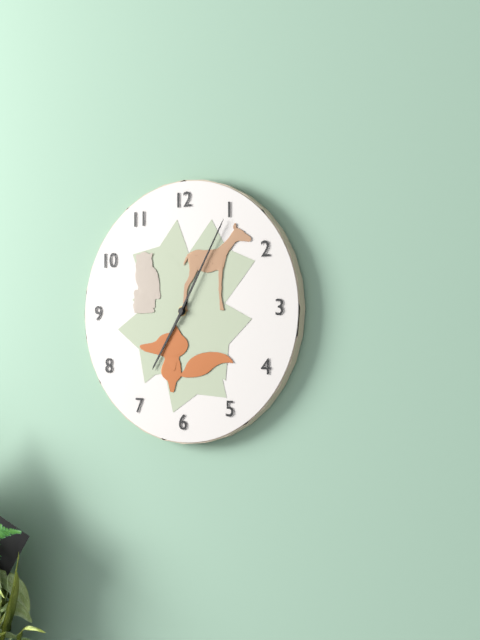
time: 7:05
